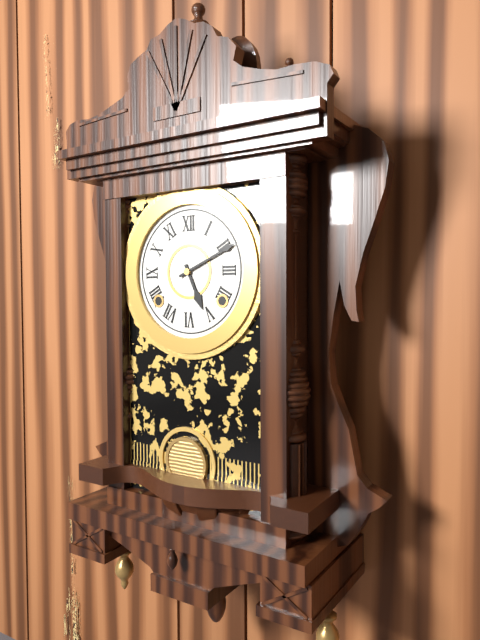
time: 5:11
